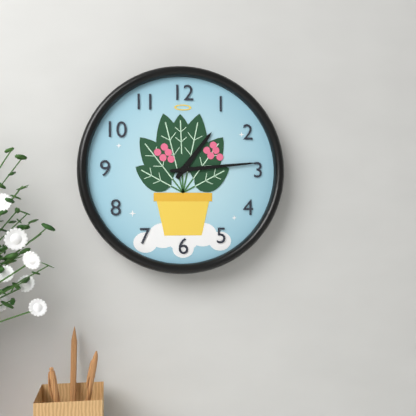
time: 1:14
